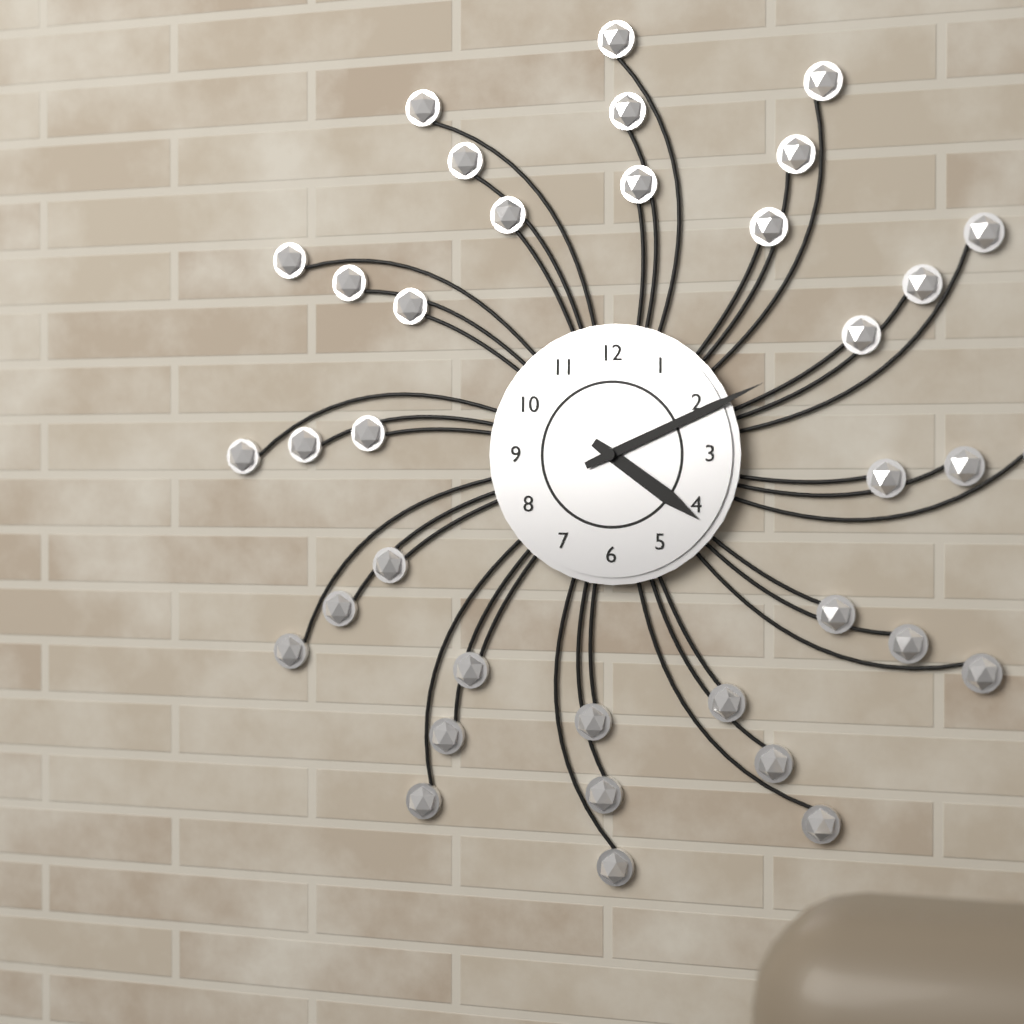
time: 4:11
